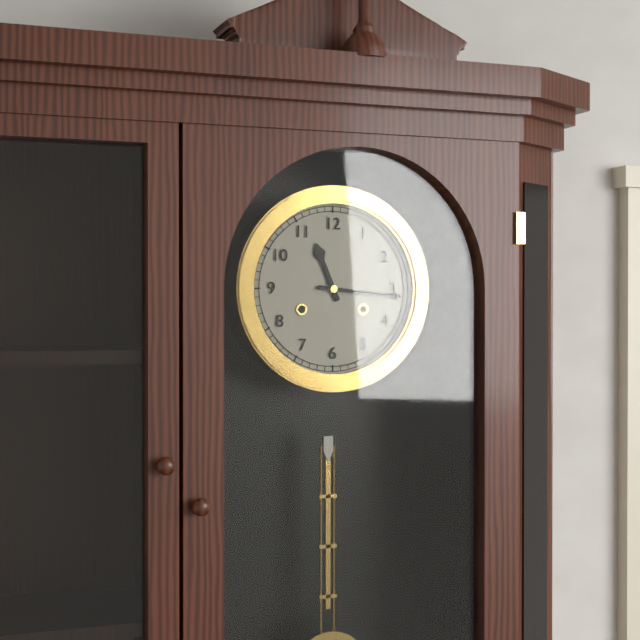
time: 11:16
